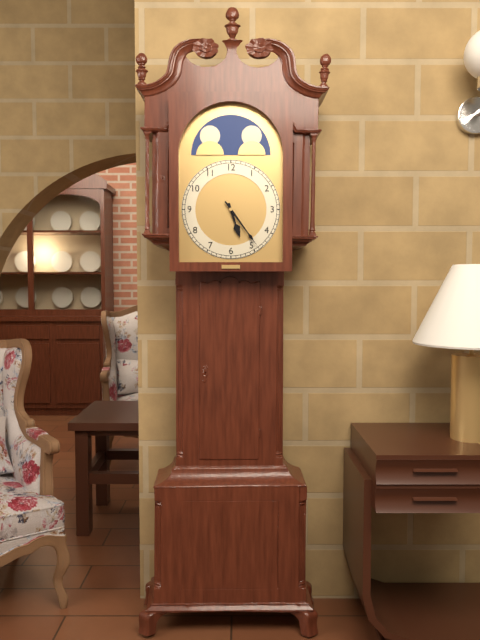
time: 5:24
